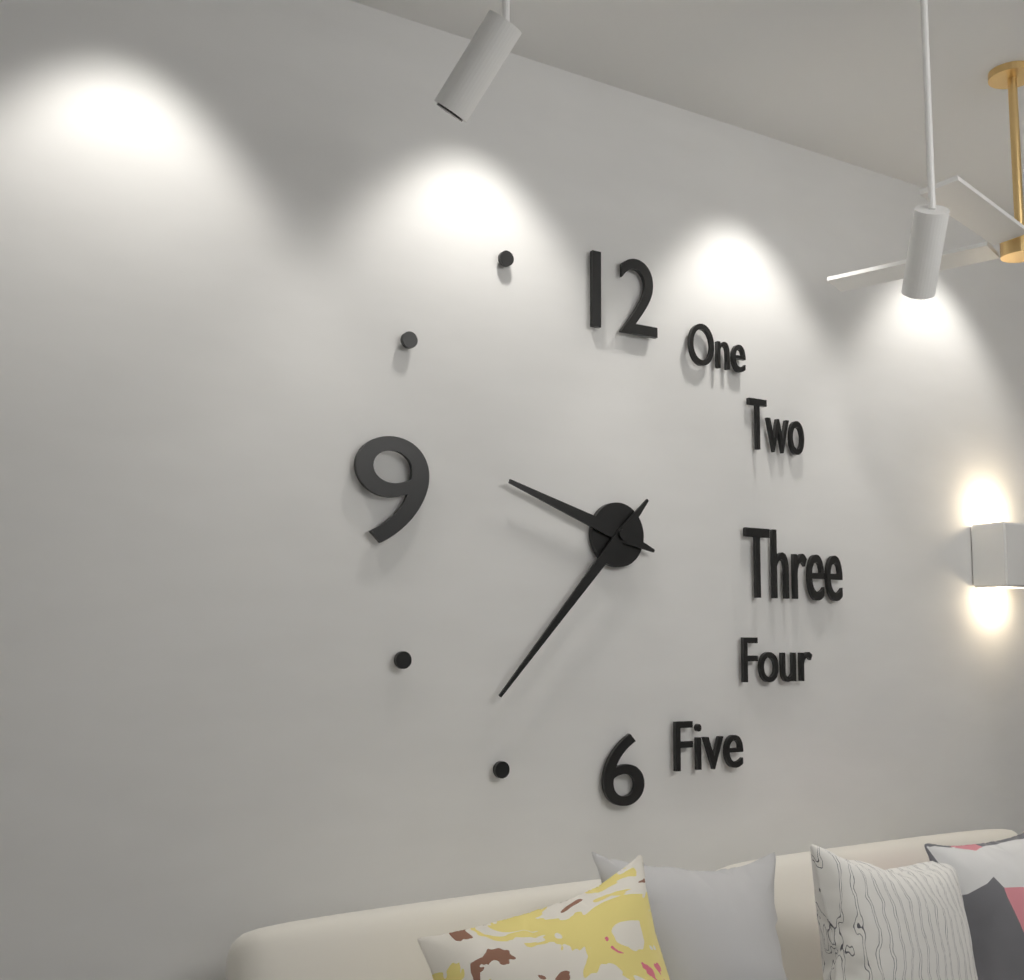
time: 9:37
